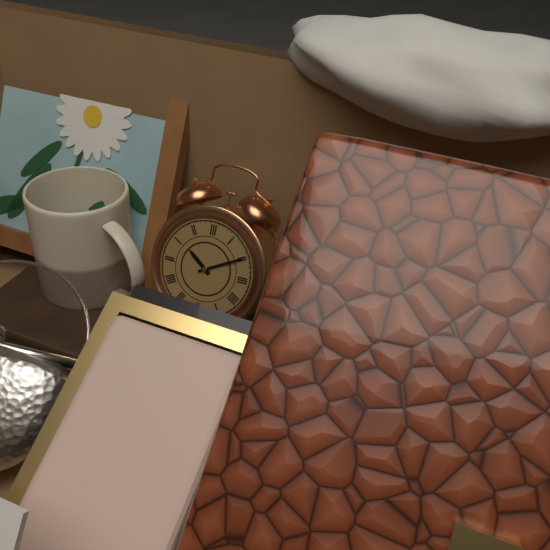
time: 10:10
